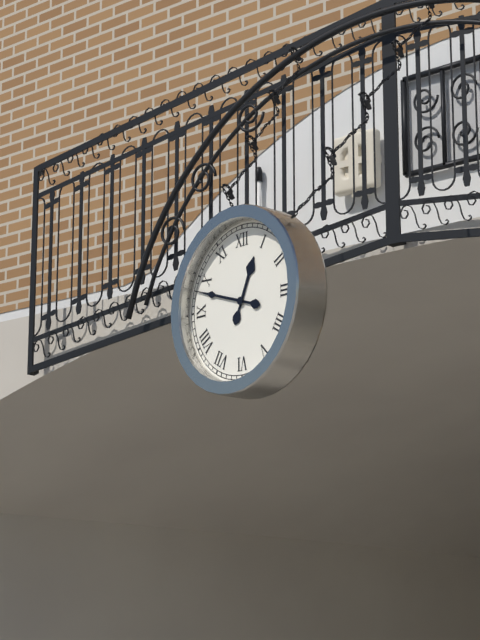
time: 12:48
